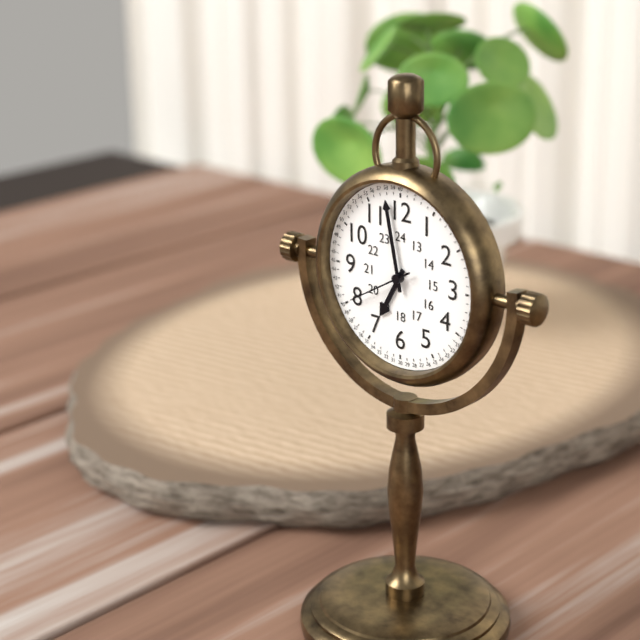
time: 6:58:40
